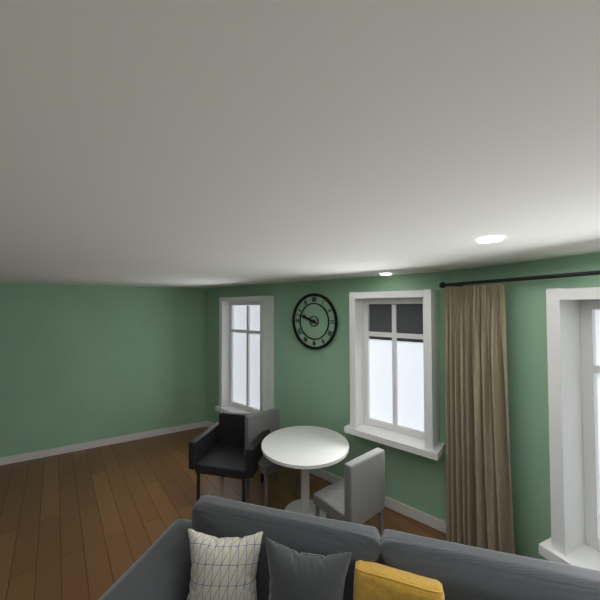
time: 9:48
